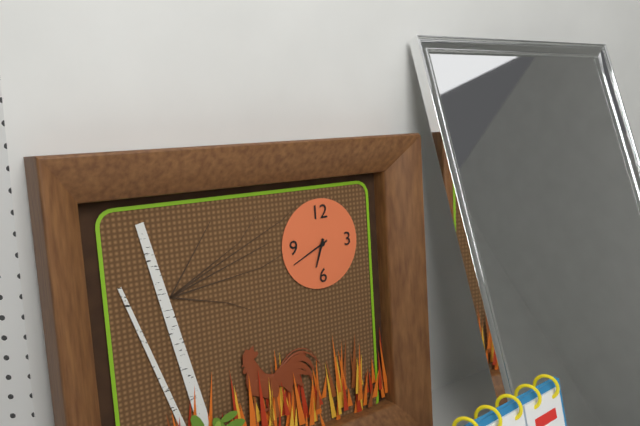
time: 6:41
